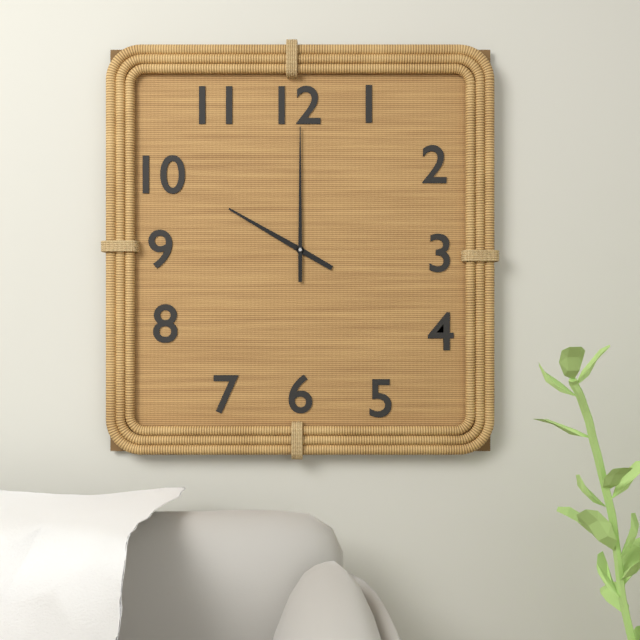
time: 10:00
